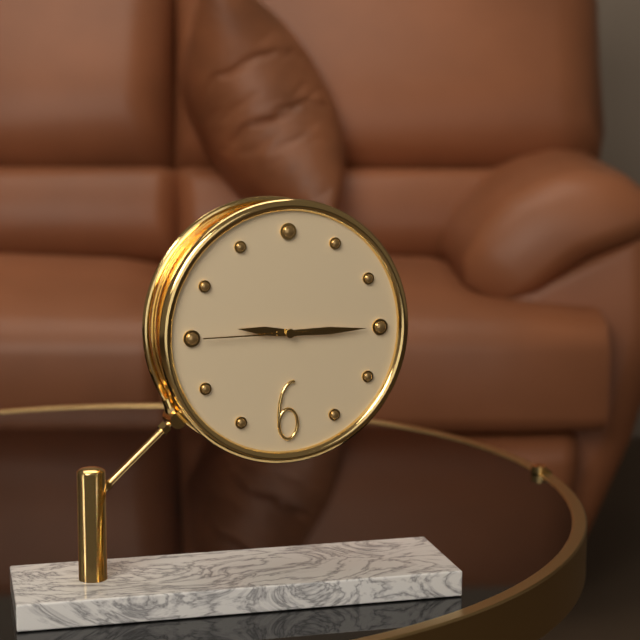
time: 9:15:45
